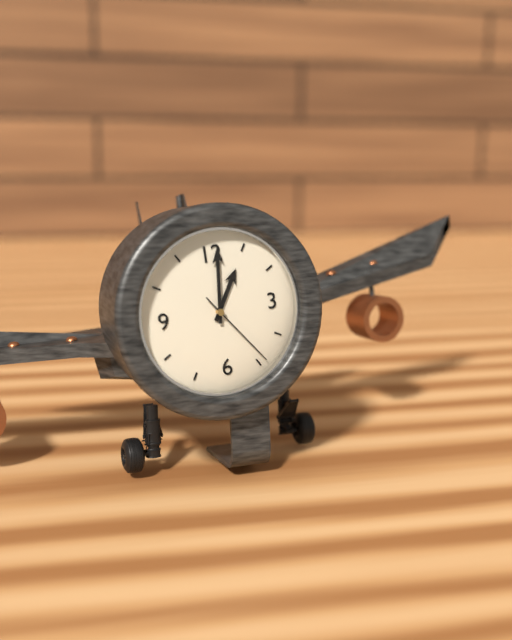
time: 1:01:24
